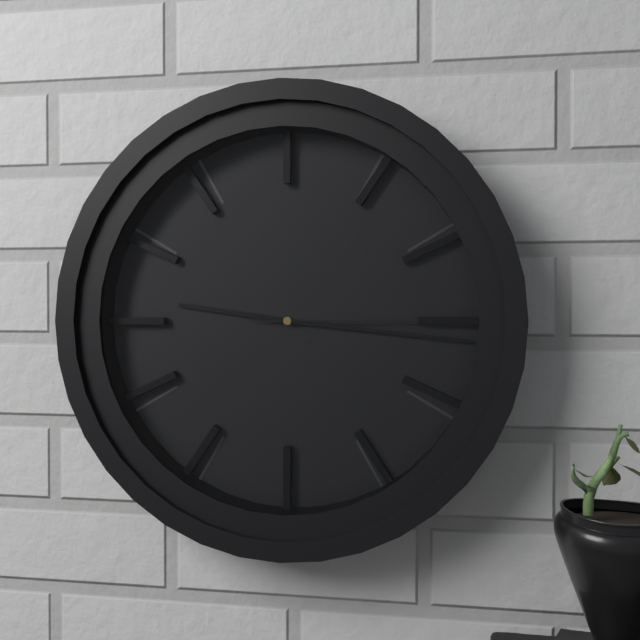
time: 9:16:15
